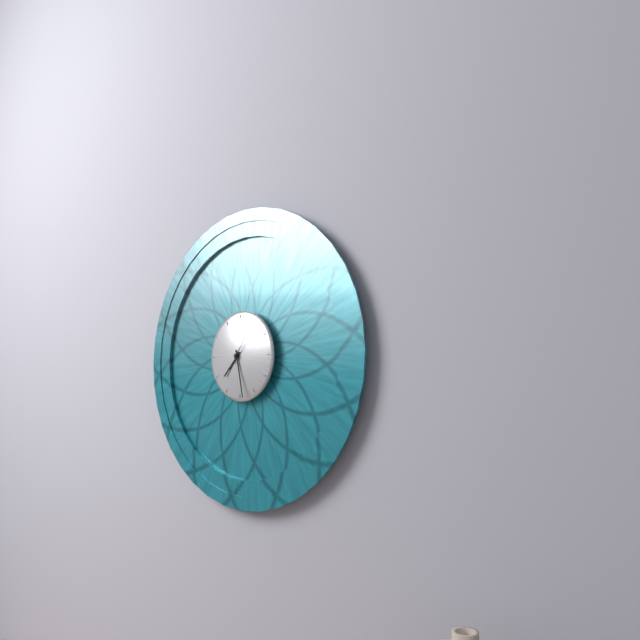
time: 7:28
